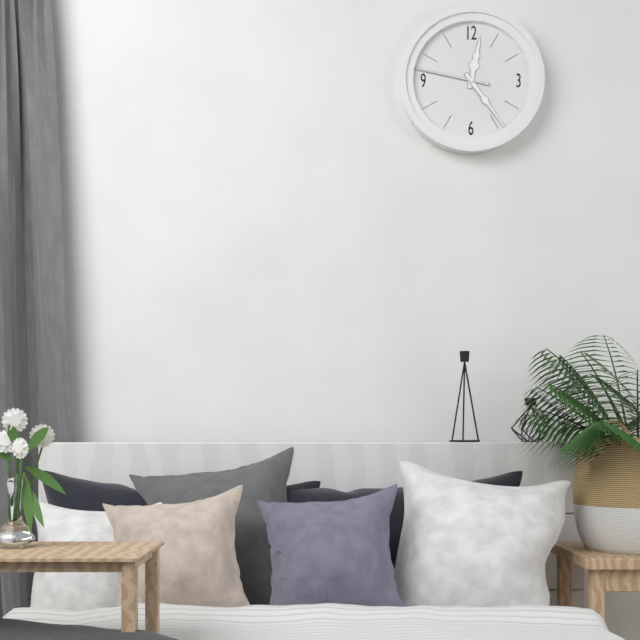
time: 12:24:47
